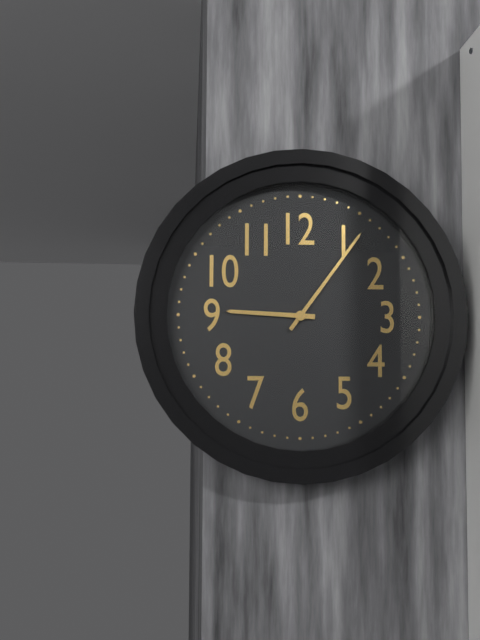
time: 9:06
